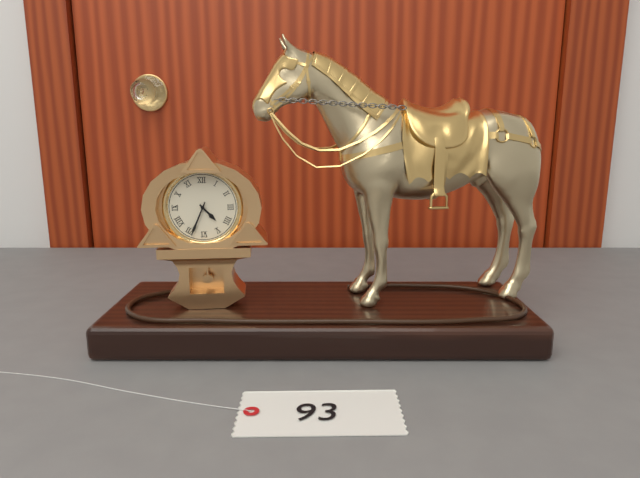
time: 4:34
